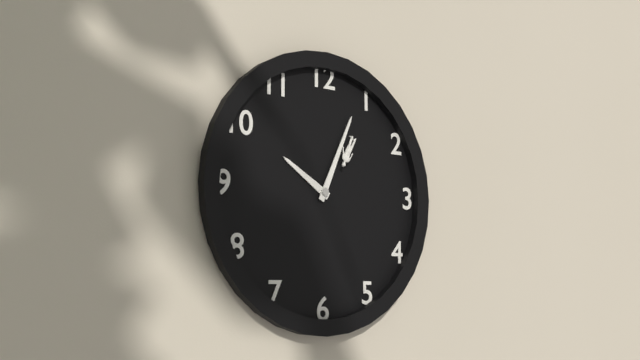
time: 10:04
